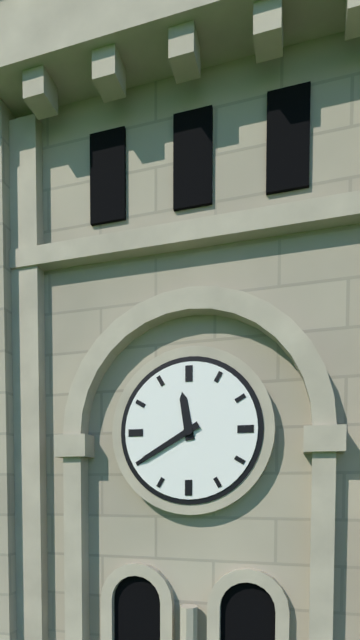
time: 11:40
